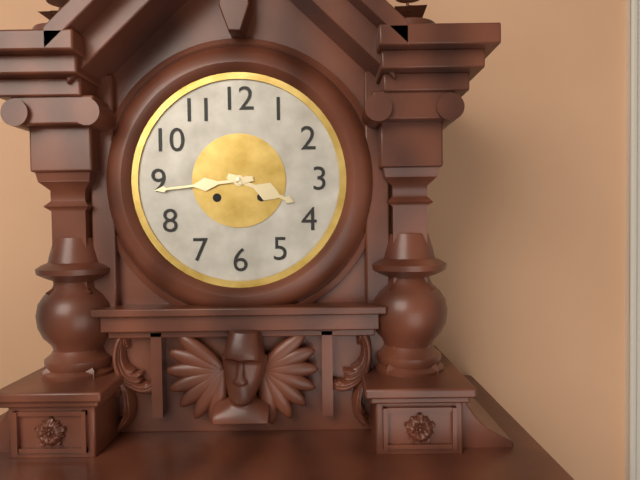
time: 3:44
